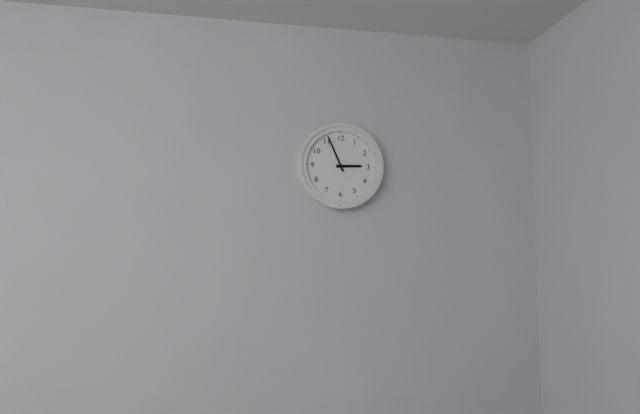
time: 2:56
